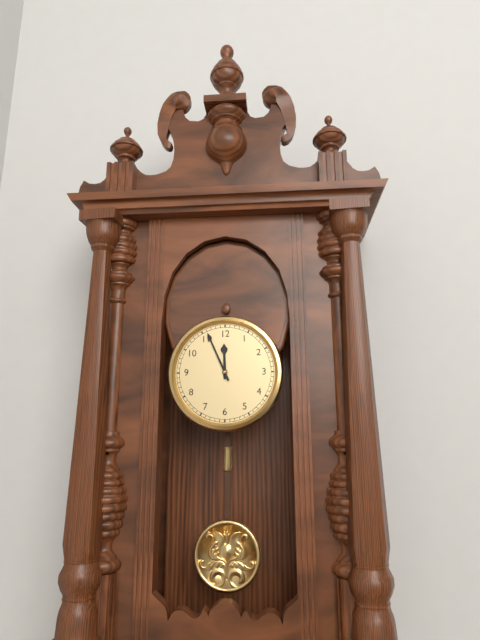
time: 11:56
